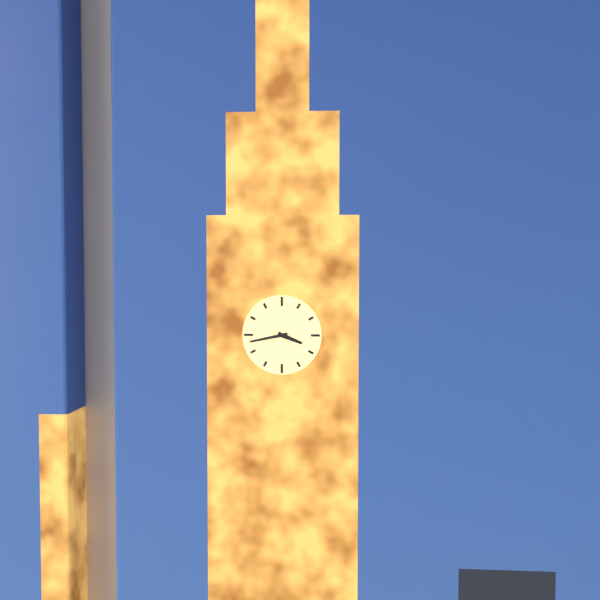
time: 3:43
